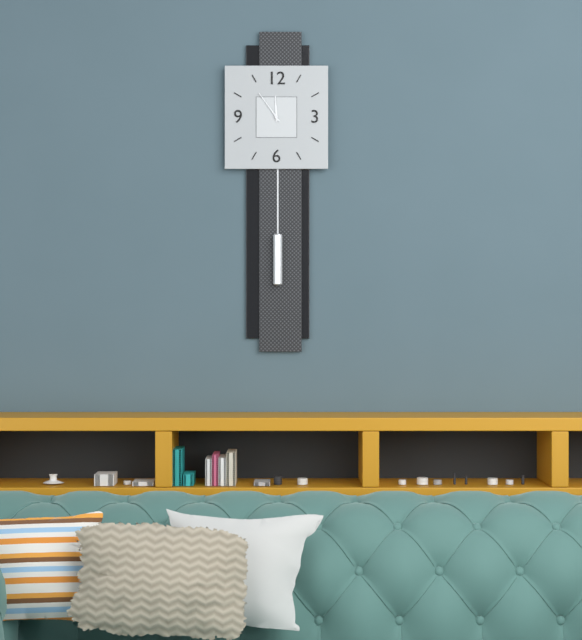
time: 11:54
